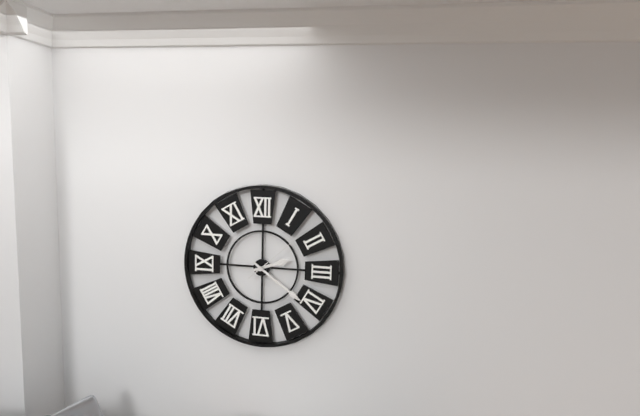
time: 2:21:08
